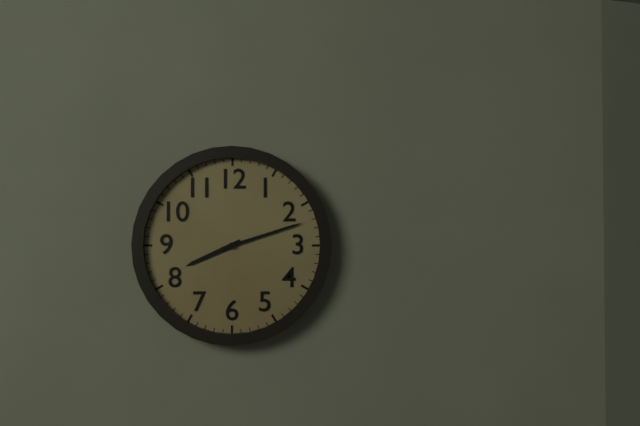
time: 8:12
